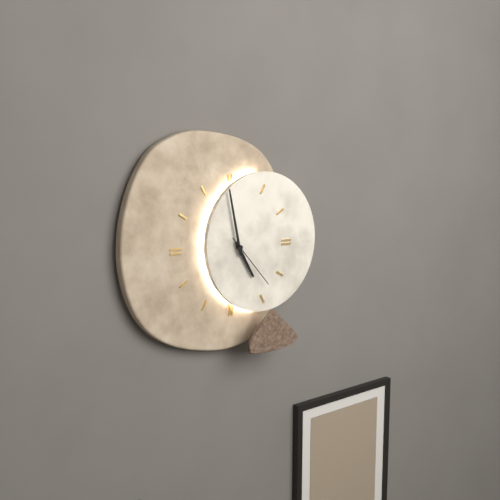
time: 4:58:23
